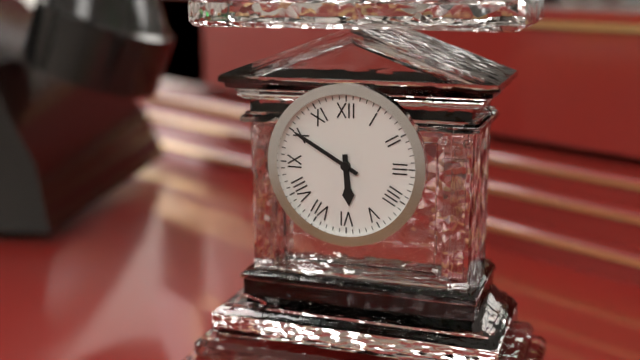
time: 5:50
